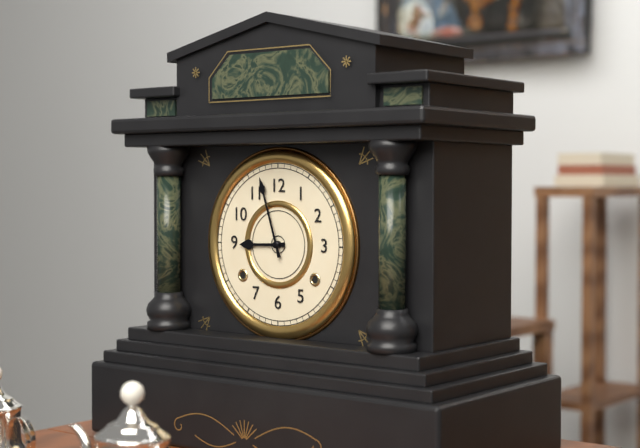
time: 8:57
